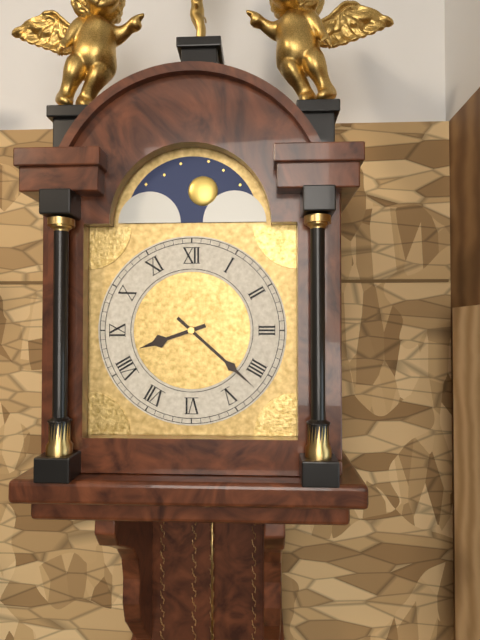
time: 8:22
